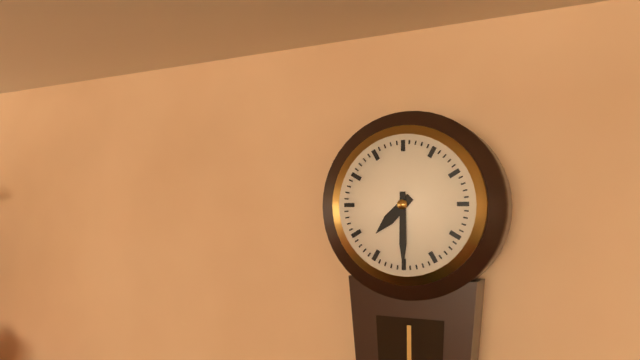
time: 7:30
